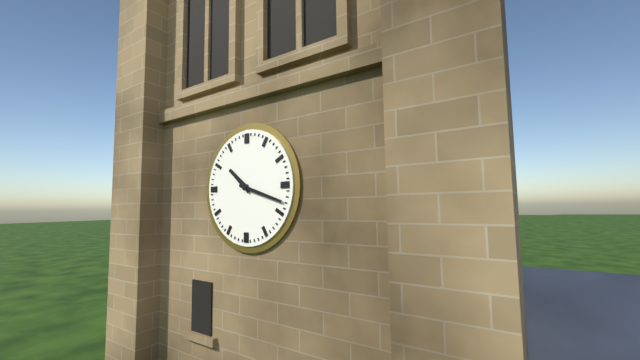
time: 10:18
